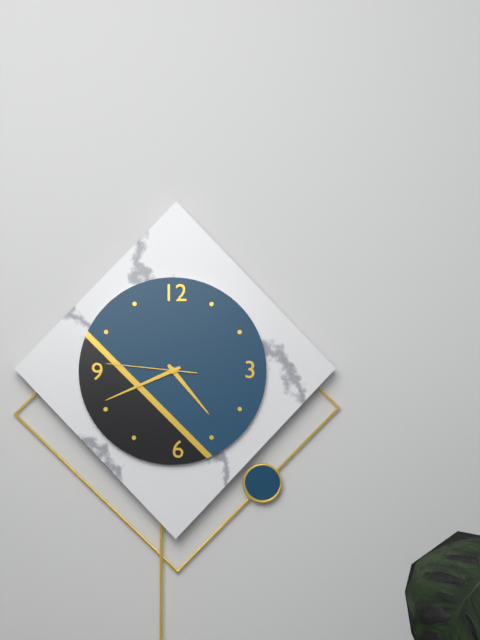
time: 4:41:46
